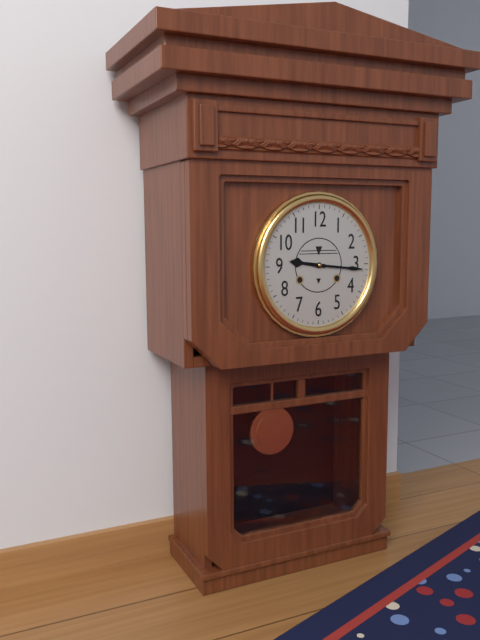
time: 9:16
